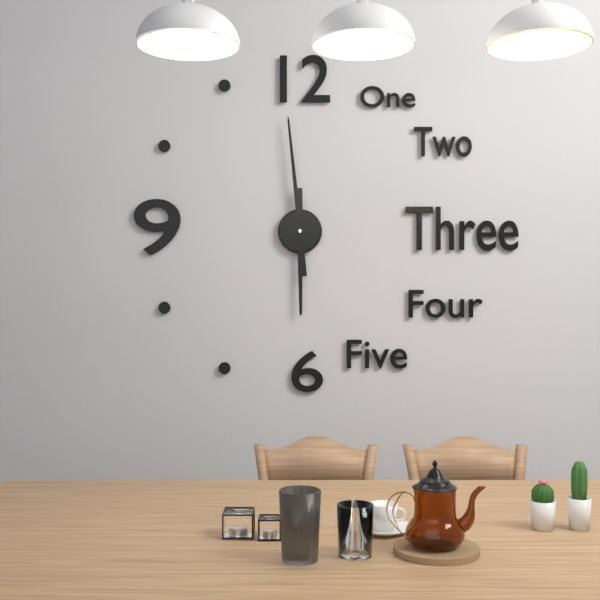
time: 5:59
